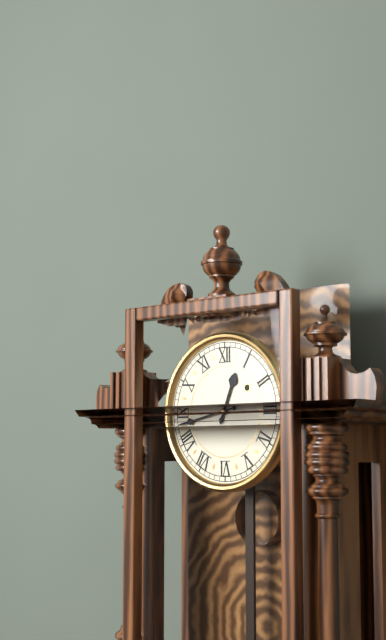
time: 12:43
